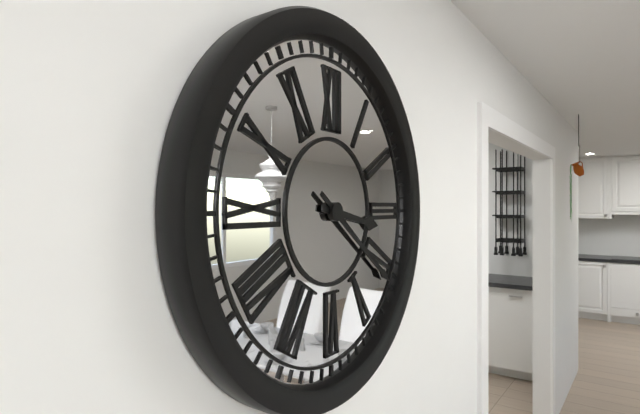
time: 3:21
